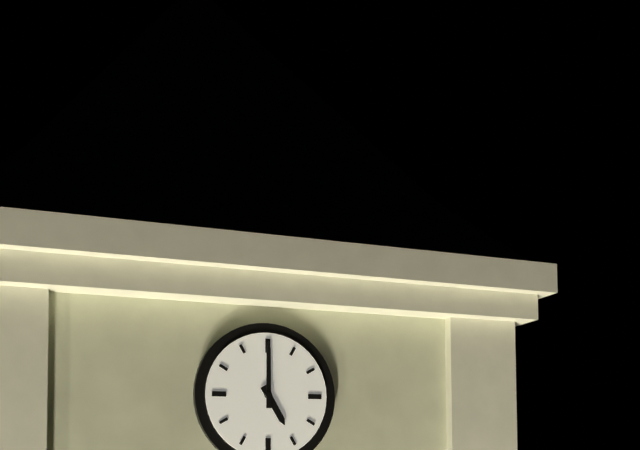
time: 5:00
